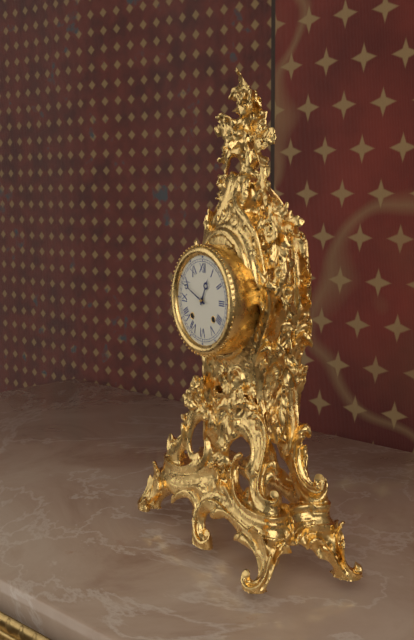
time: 12:49
